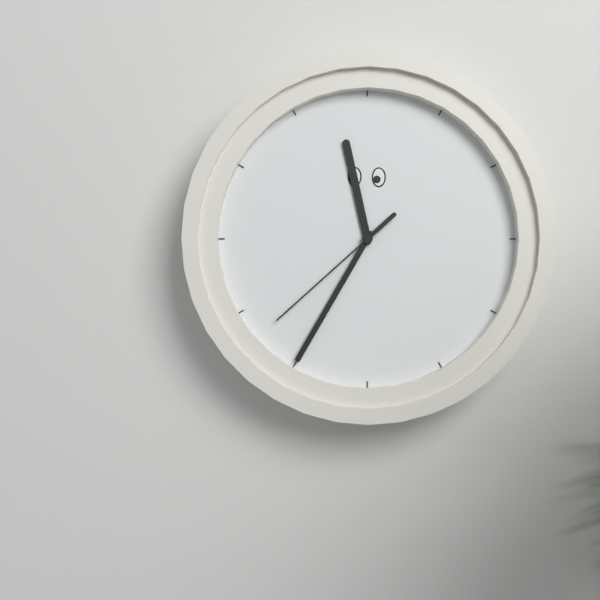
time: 11:35:38
